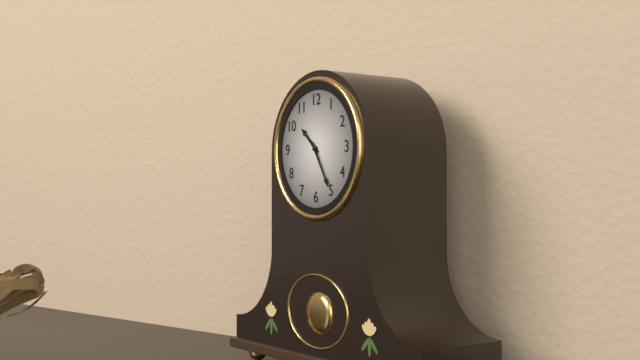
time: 10:25
